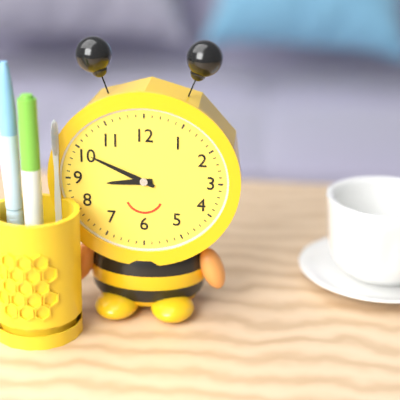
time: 8:49
